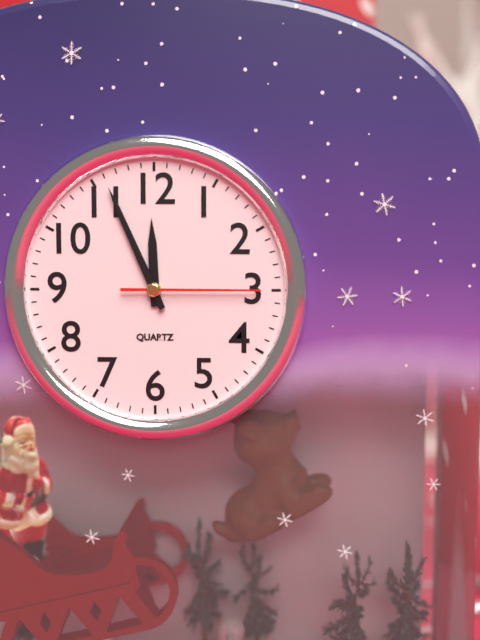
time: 11:56:15
